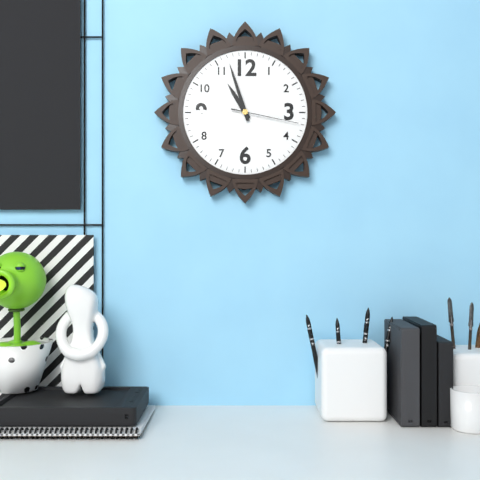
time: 10:57:17
